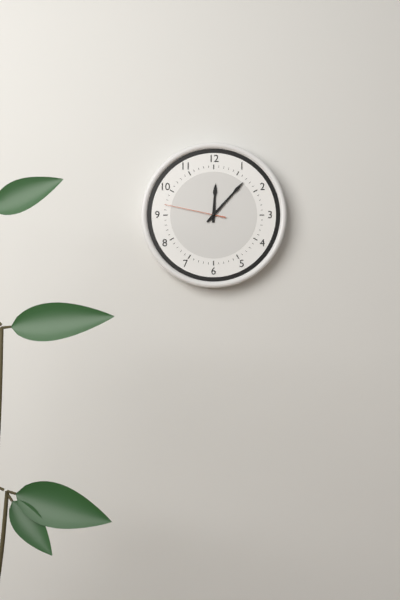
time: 12:07:47
